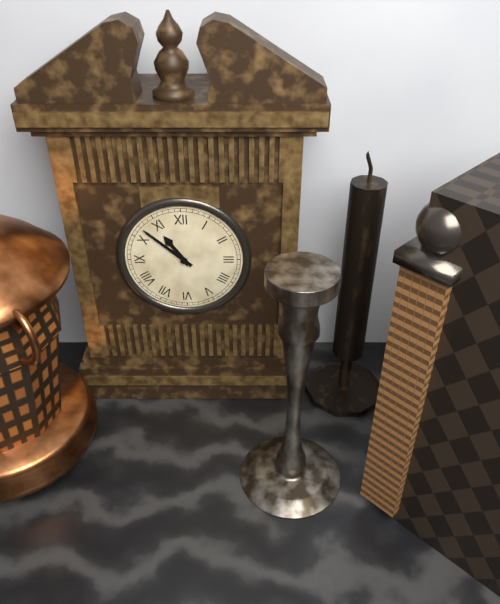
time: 10:52
